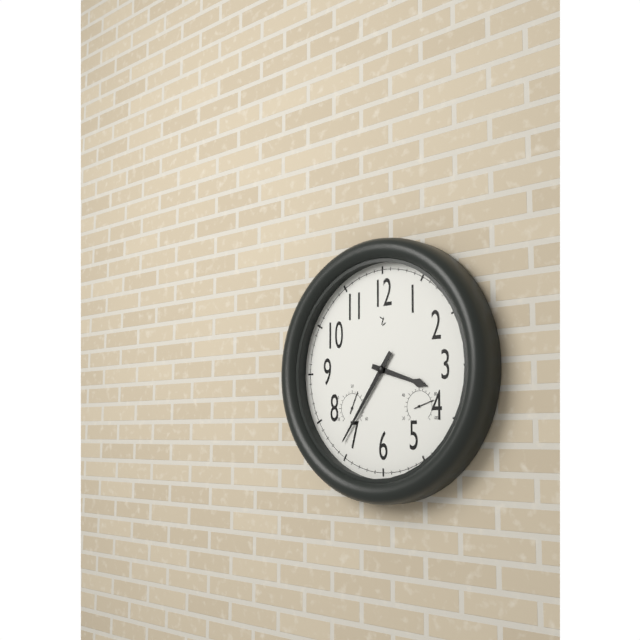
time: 3:36
